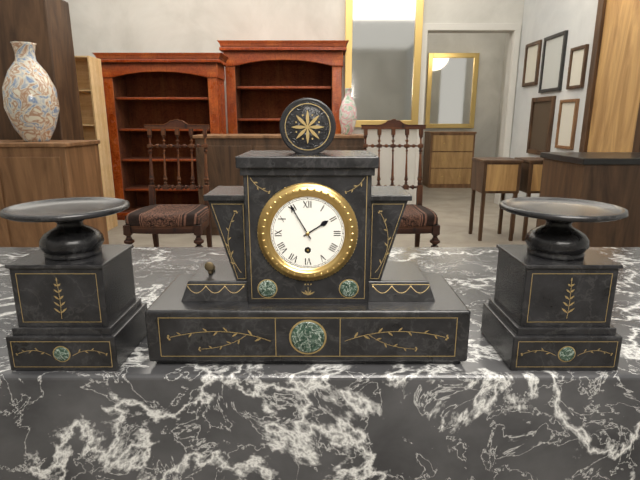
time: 1:55
